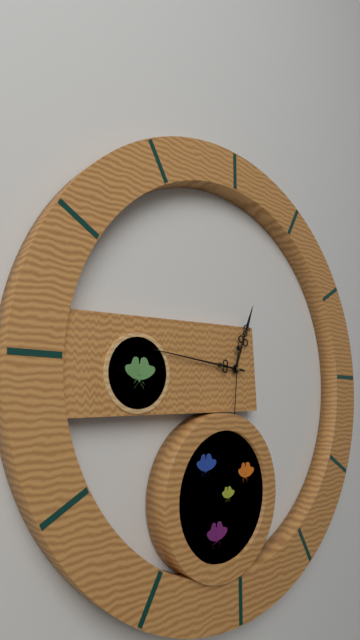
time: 12:46
